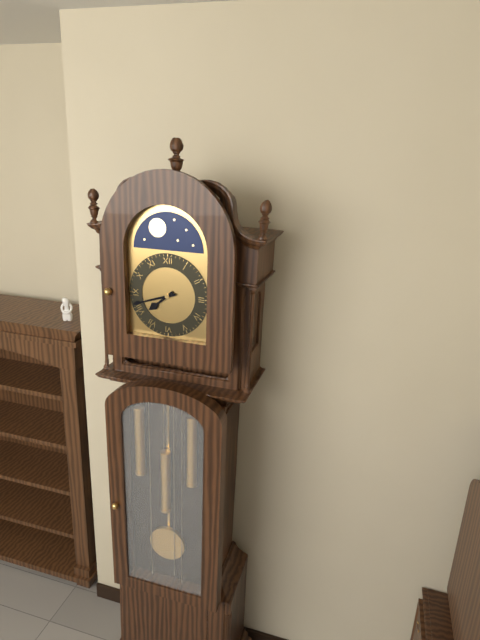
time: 7:42
